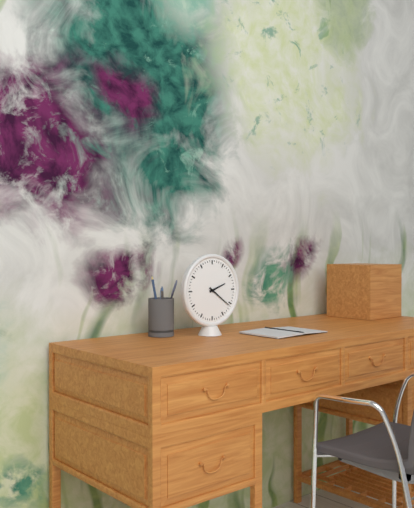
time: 2:21
